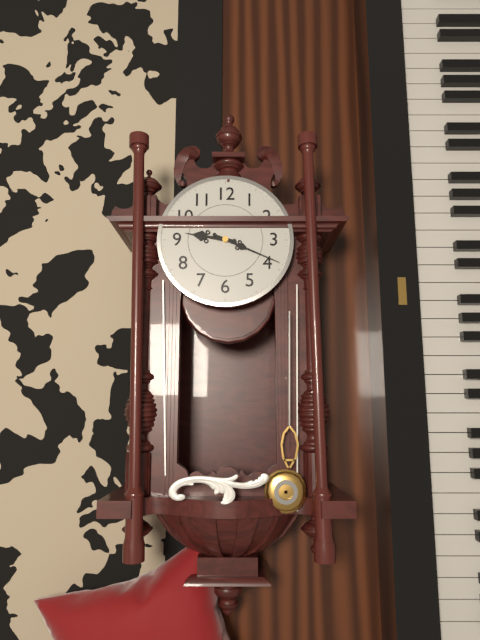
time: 9:19
